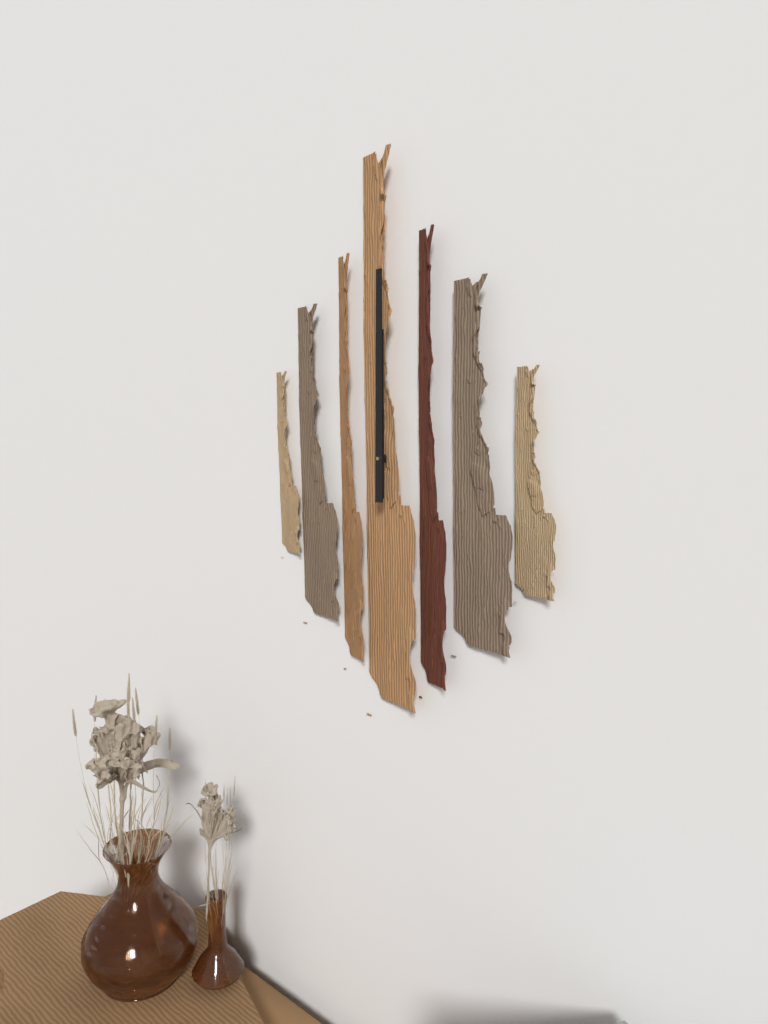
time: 12:00
